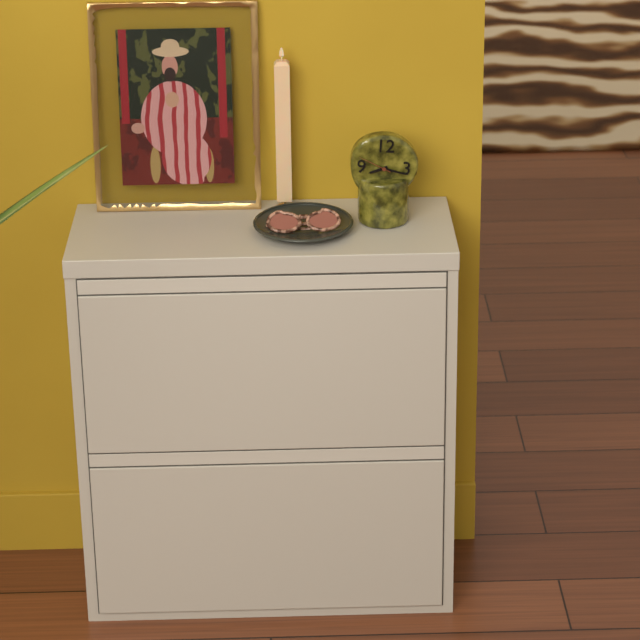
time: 8:17
